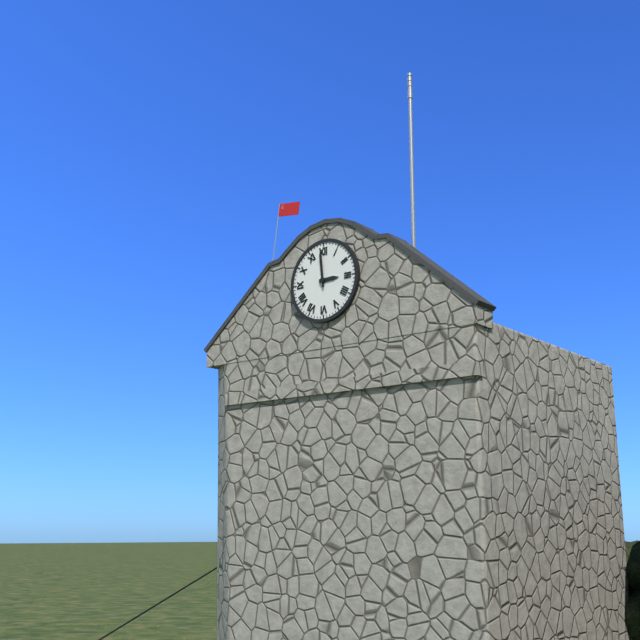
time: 2:59
